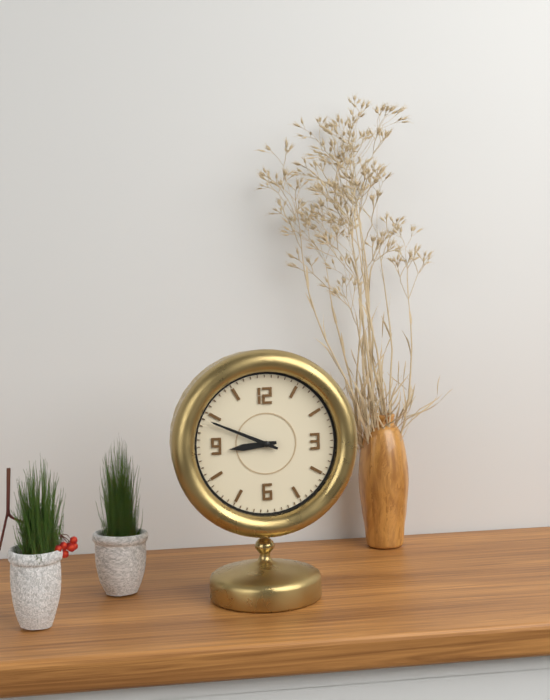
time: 8:49
